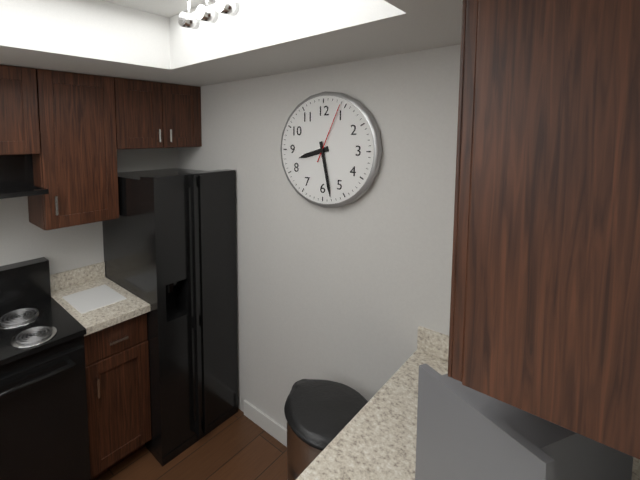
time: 8:28:04
